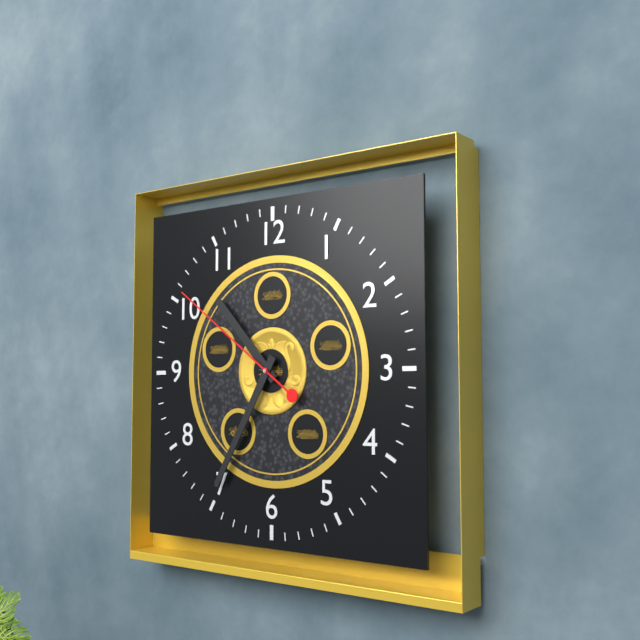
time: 10:35:51
